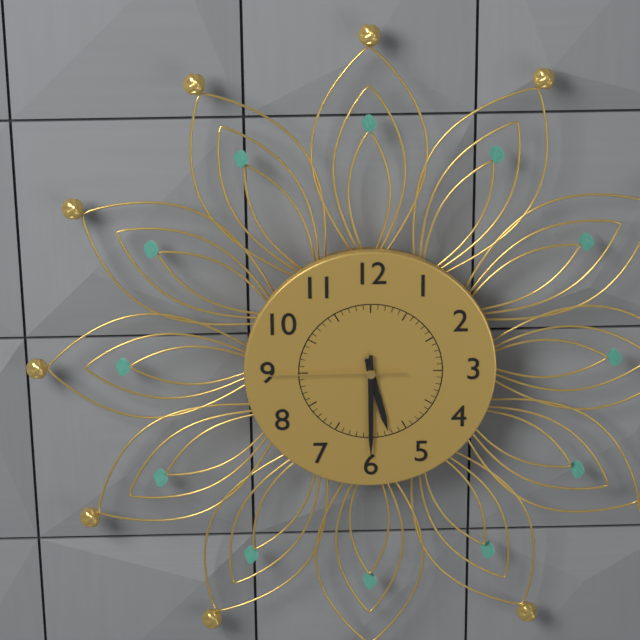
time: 5:30:45
